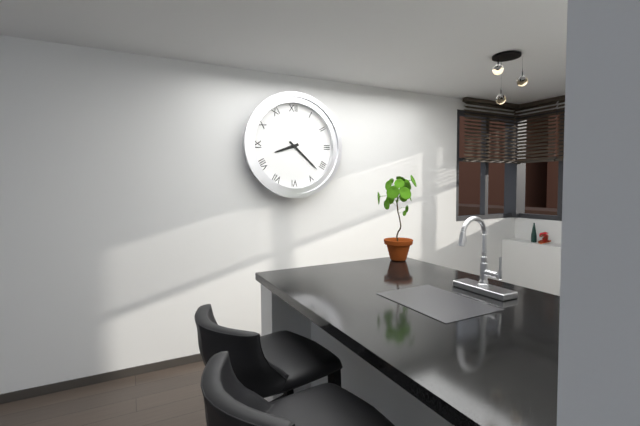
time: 8:22
